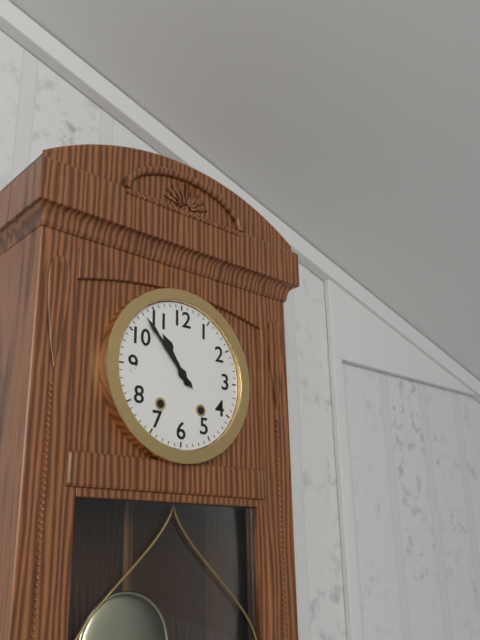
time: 10:53
